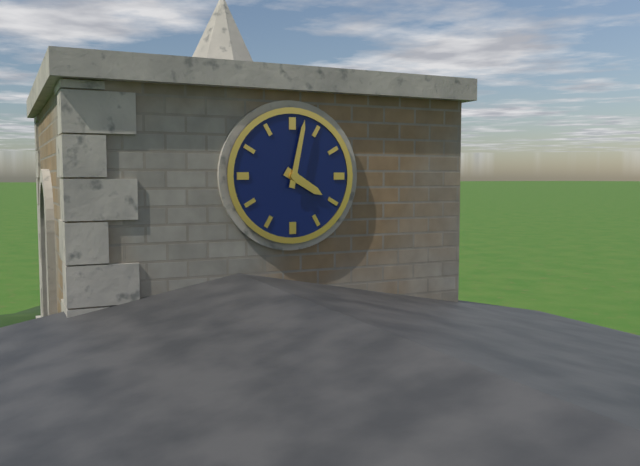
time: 4:02
